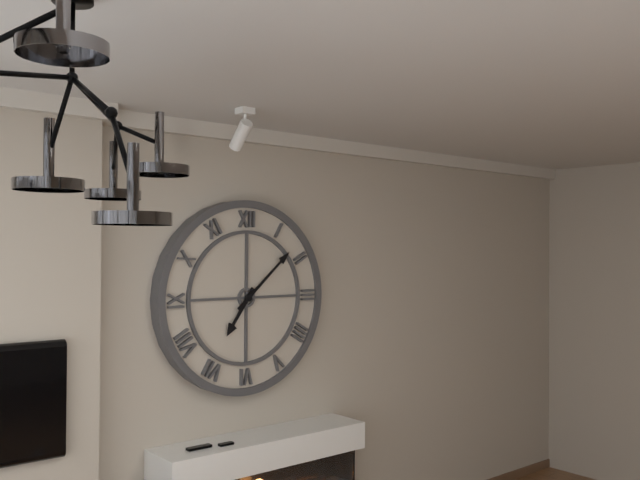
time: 7:08
